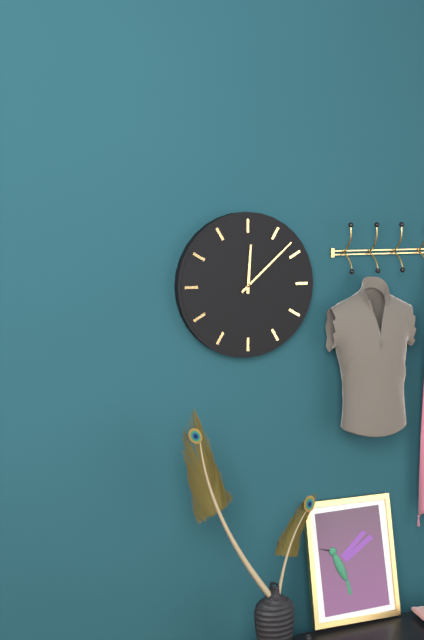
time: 12:08
